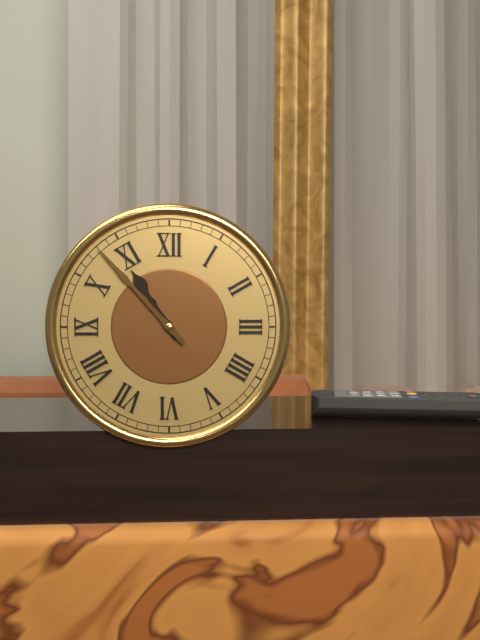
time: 10:53
